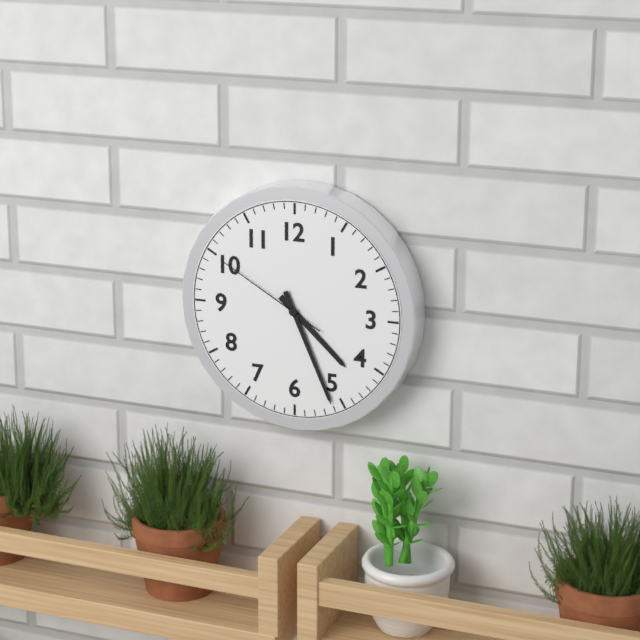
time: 4:26:50
